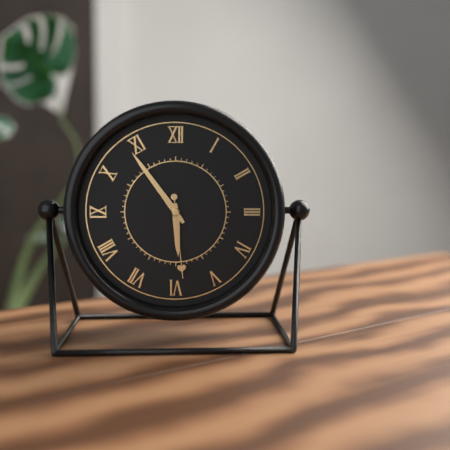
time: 5:54:29
